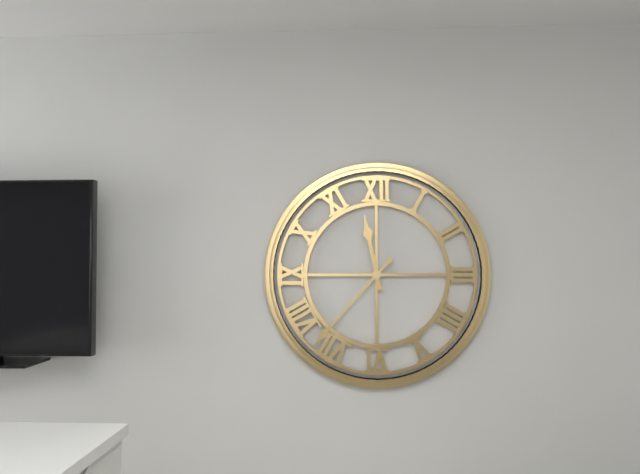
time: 11:37
